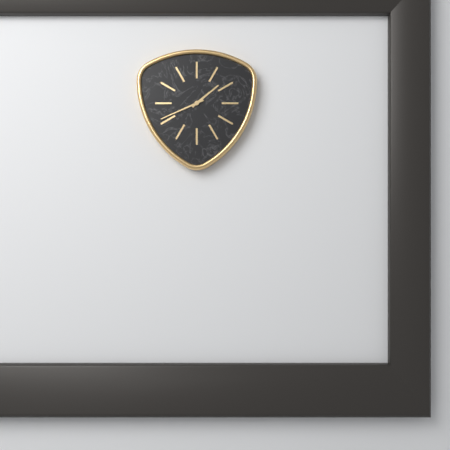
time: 1:41
